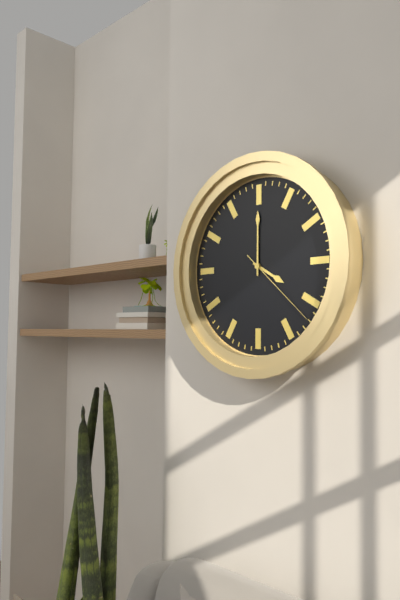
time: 4:00:22
